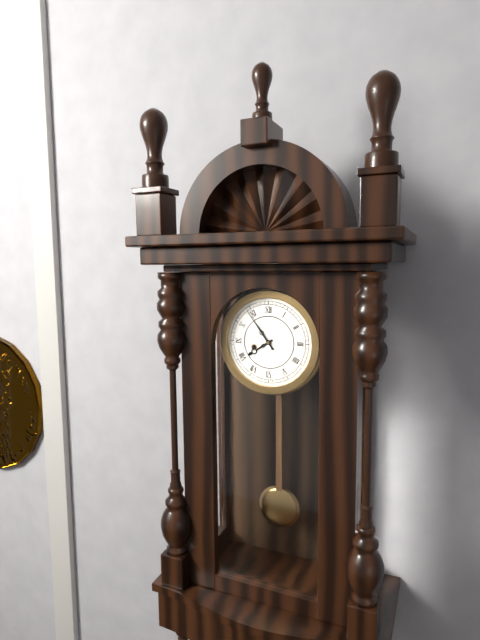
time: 7:54
